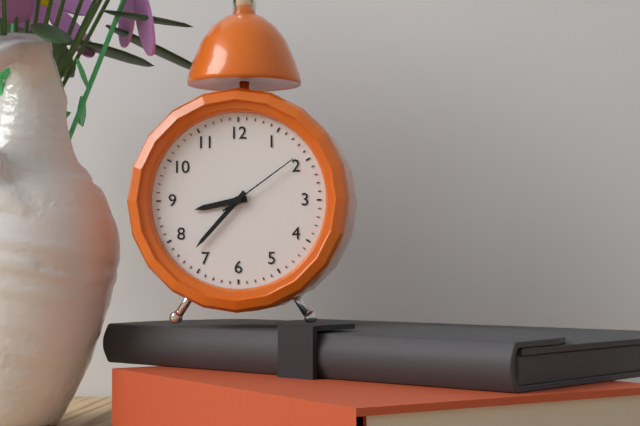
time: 8:37:09
